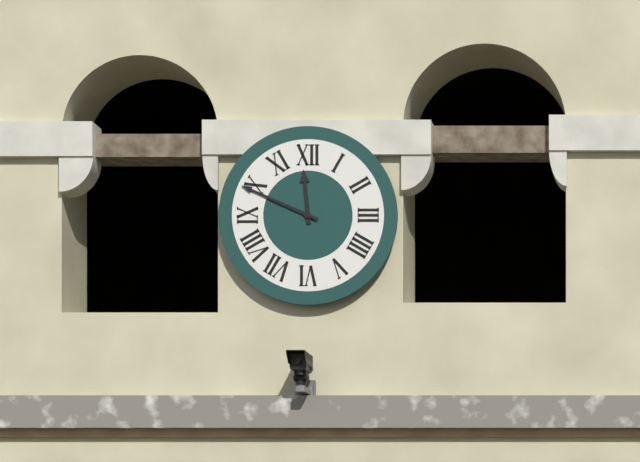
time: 11:49
